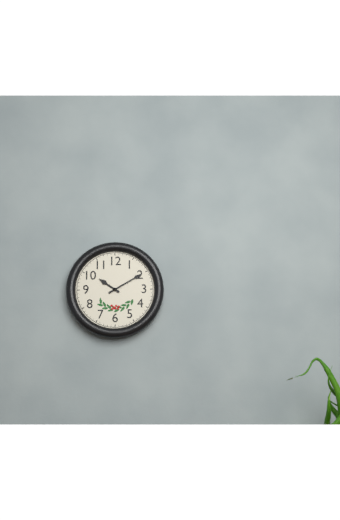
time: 10:10
